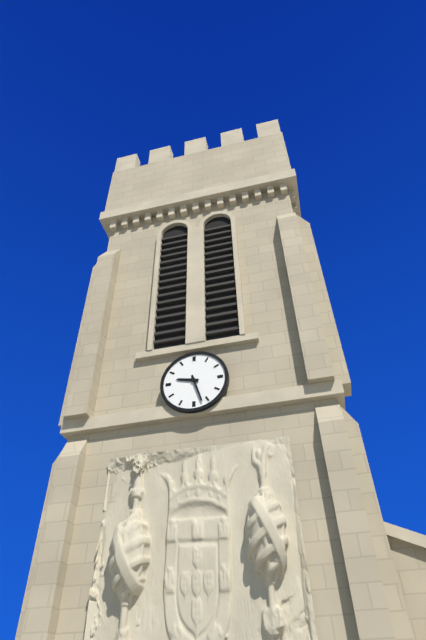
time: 9:27
